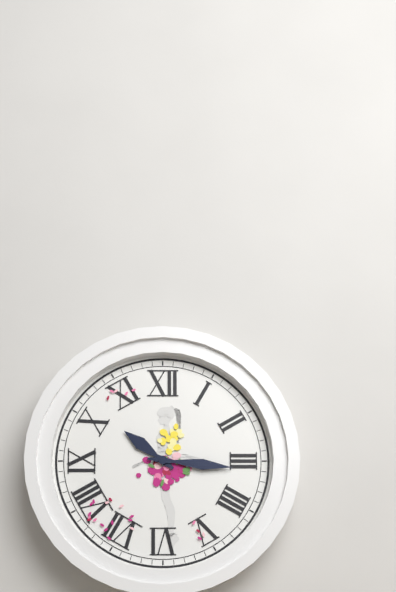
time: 10:16
